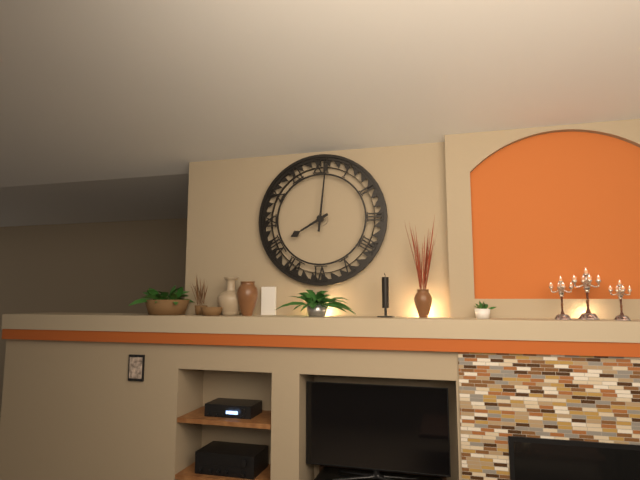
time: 8:01
